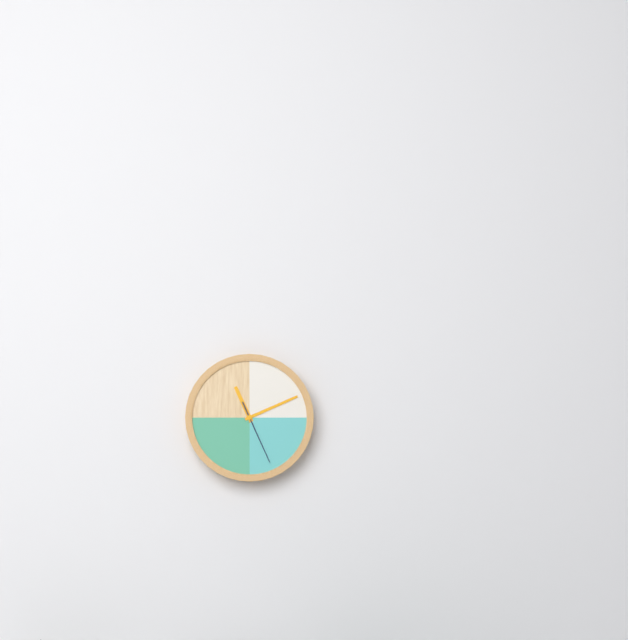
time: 11:11:26
